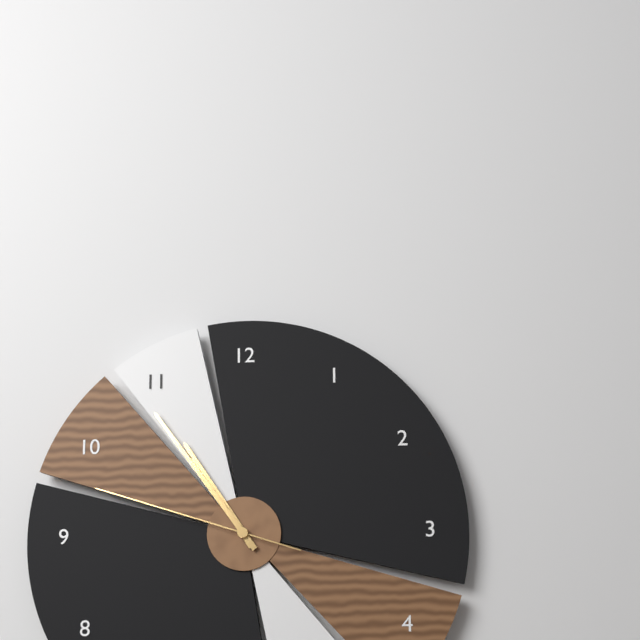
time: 10:54:48
